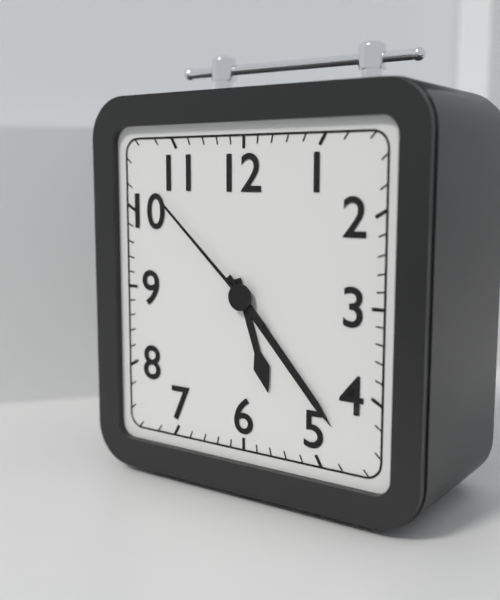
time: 5:23:52
